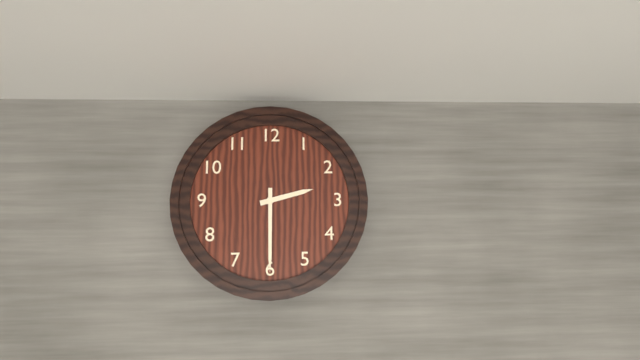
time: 2:30
